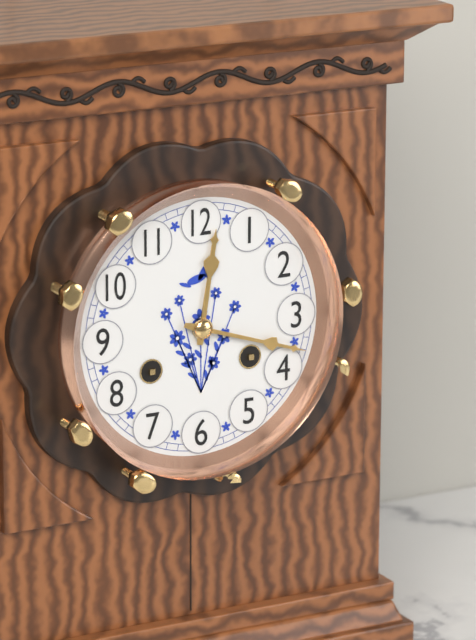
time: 12:18
